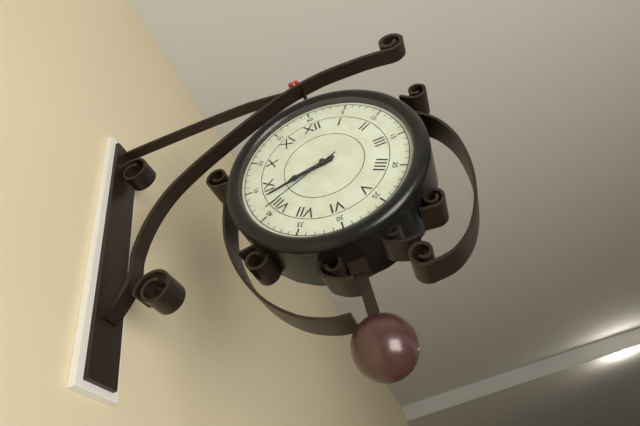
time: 8:43:41
